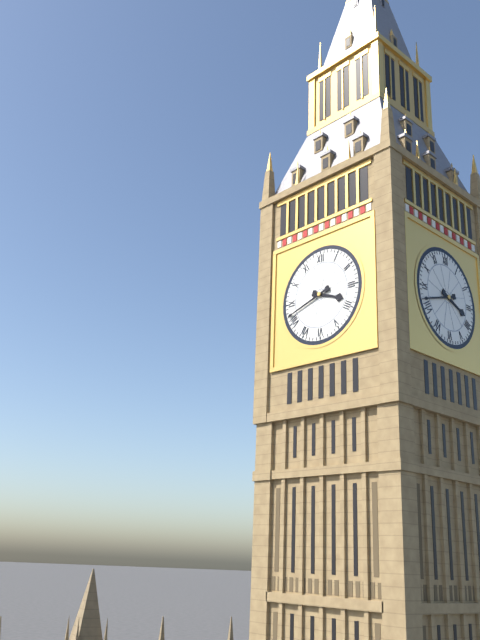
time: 3:42
